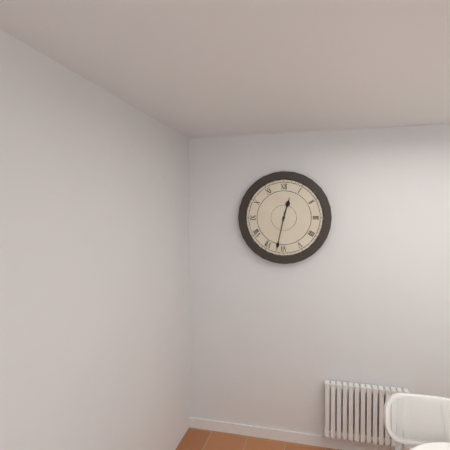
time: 12:32
